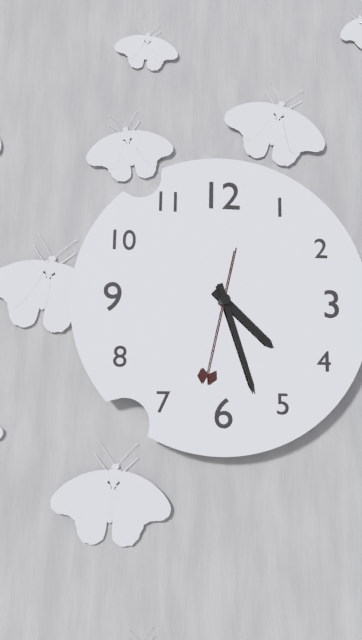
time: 4:27:32
